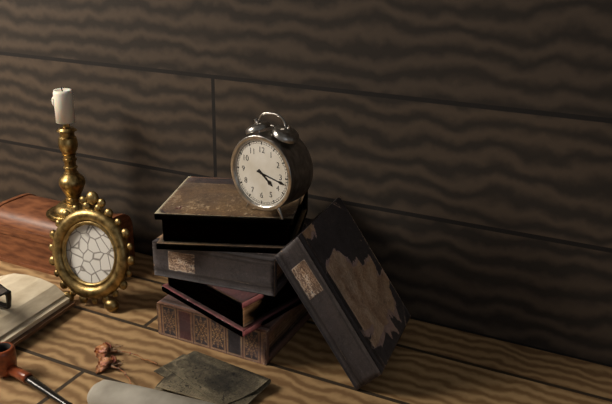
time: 4:17
